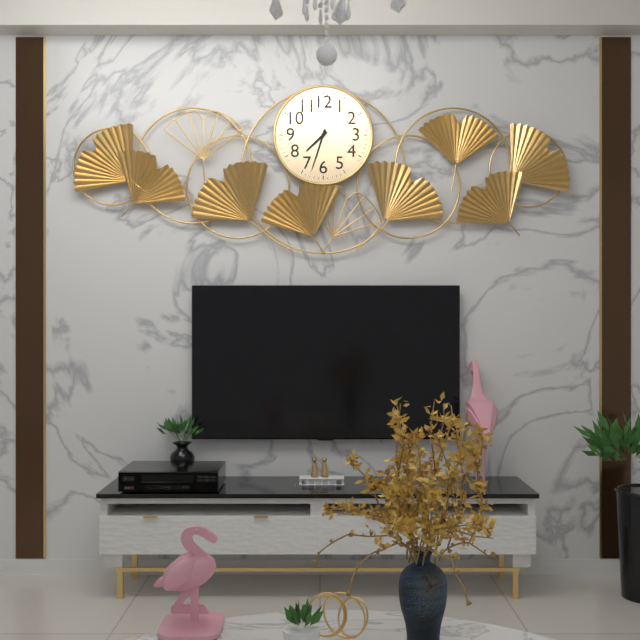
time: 7:33
